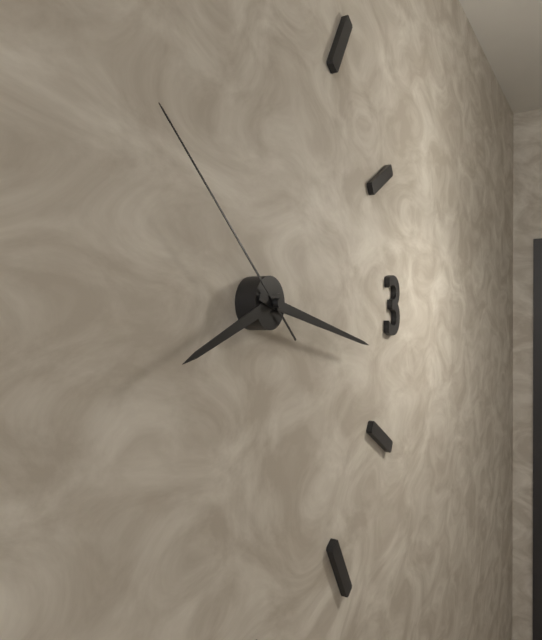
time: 8:17:52
